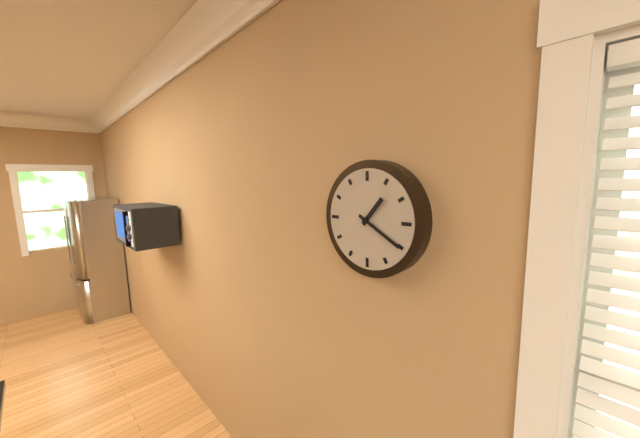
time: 1:20
